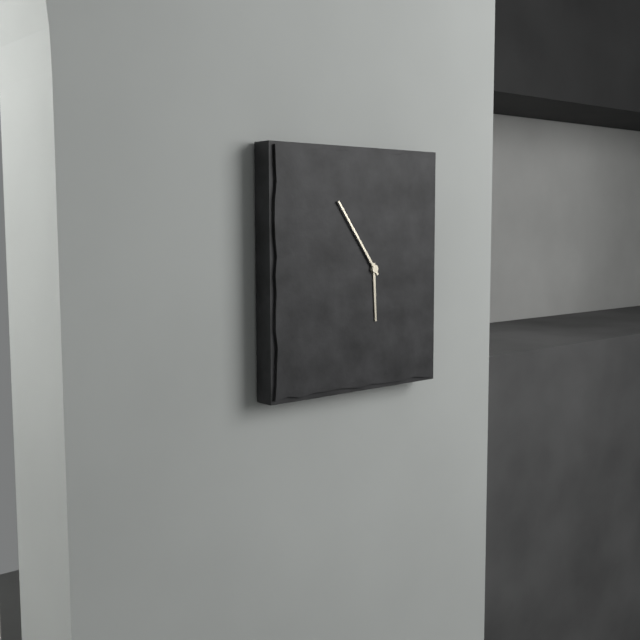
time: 5:54
